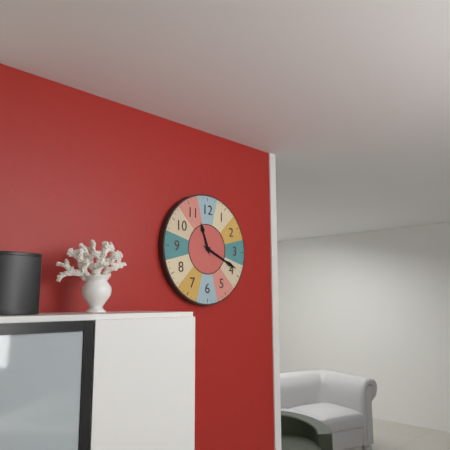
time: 11:19
